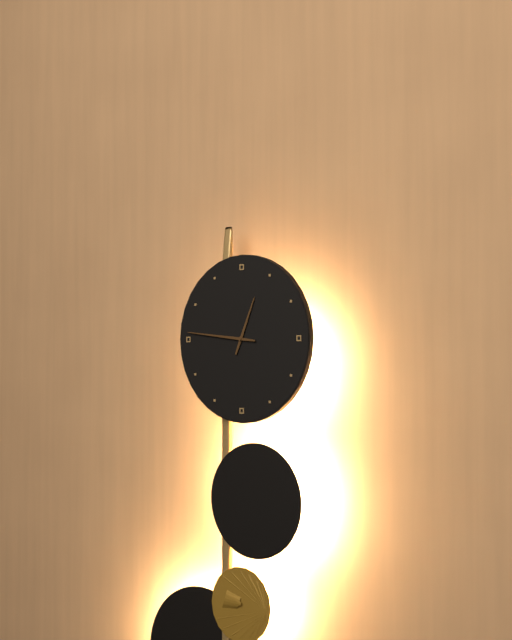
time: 12:46
